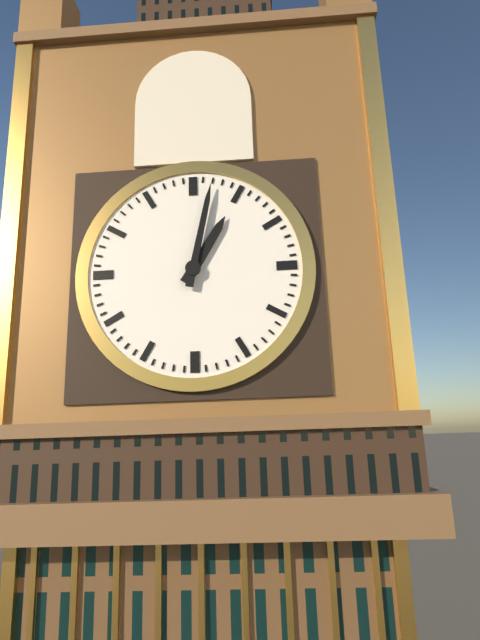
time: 1:02
